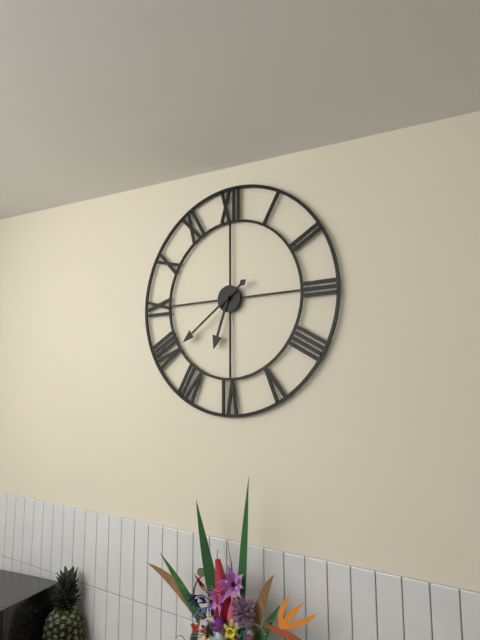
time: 6:39
